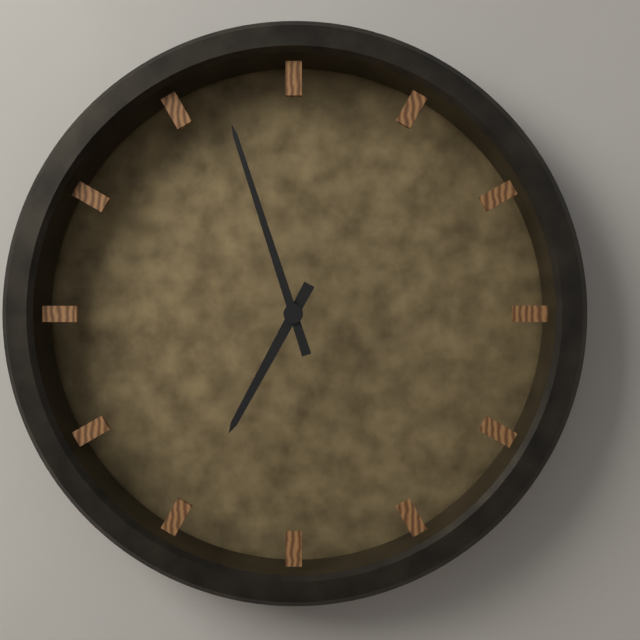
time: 6:57
